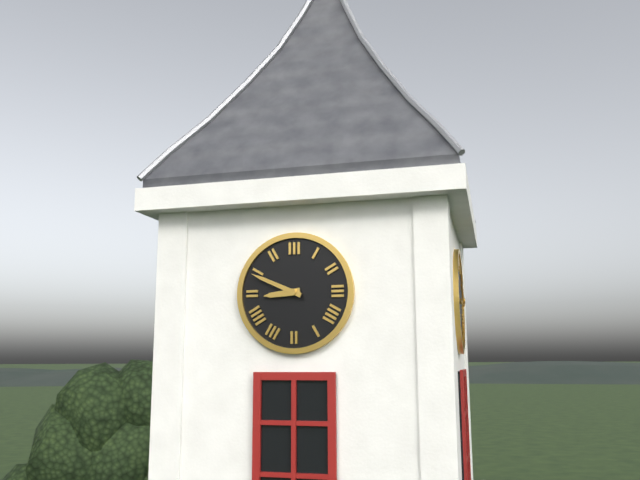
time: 8:49
